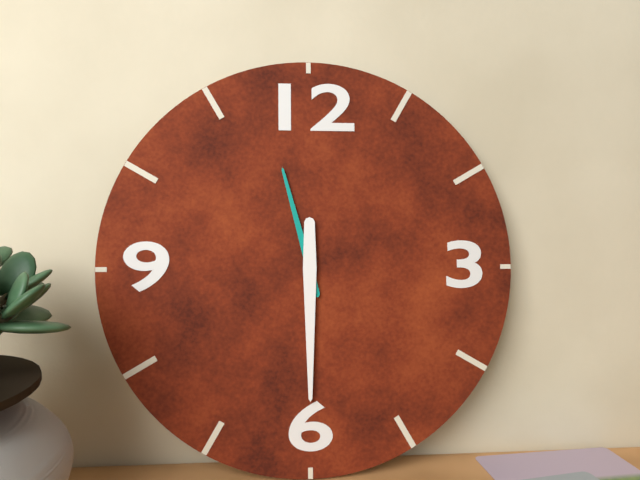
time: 11:30
